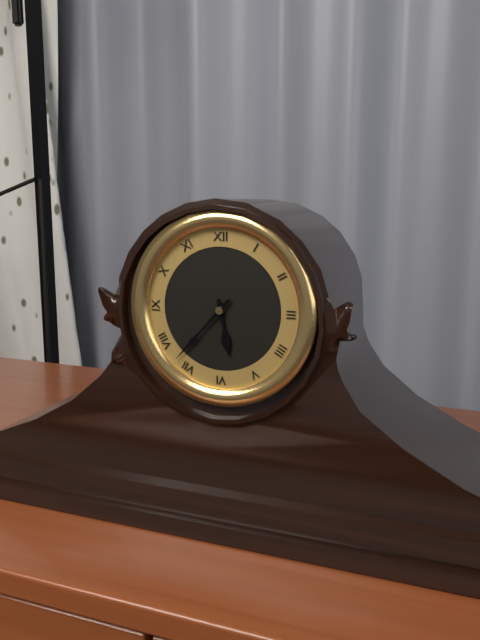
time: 5:37
